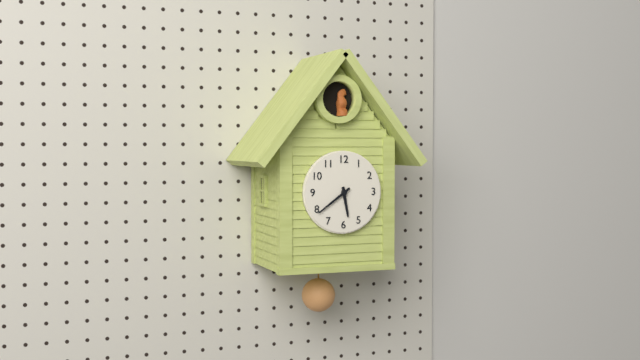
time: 5:39
